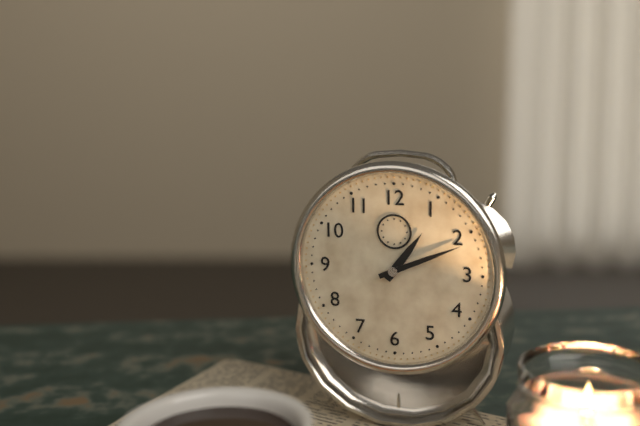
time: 1:11
